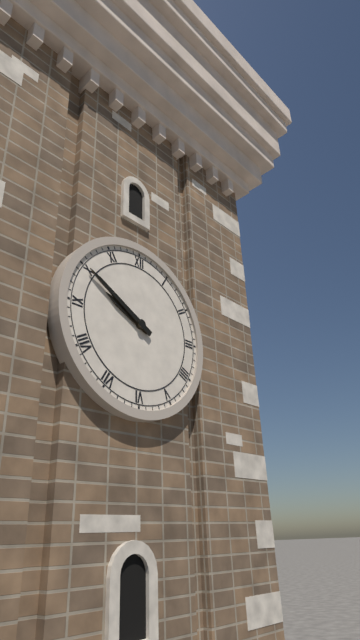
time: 9:50
